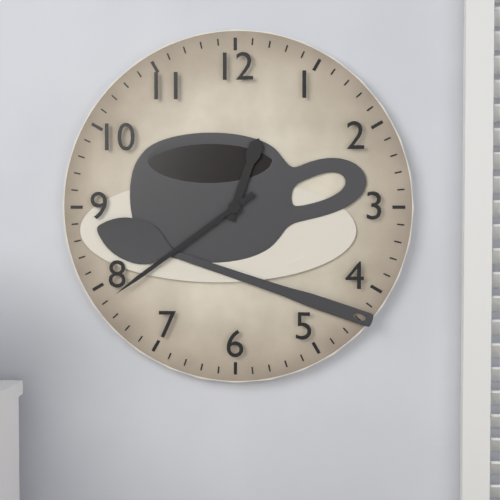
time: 12:39
